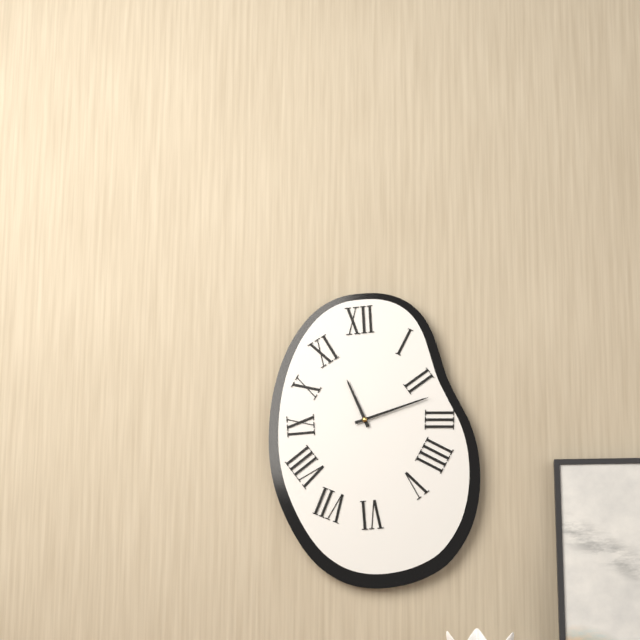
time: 11:12
